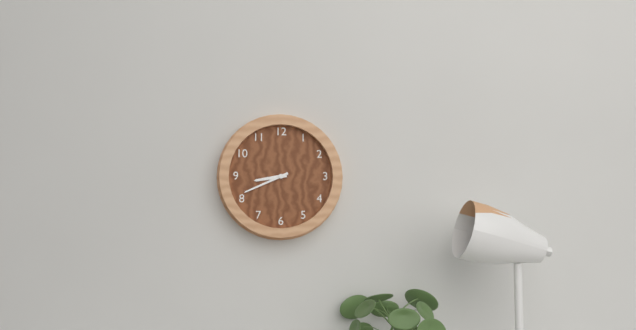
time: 8:41
